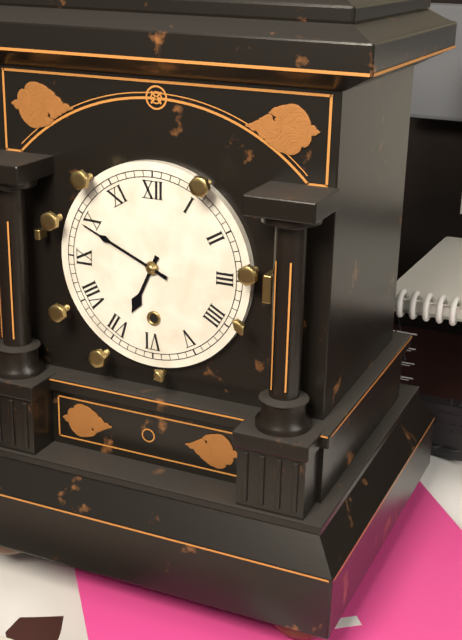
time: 6:49
